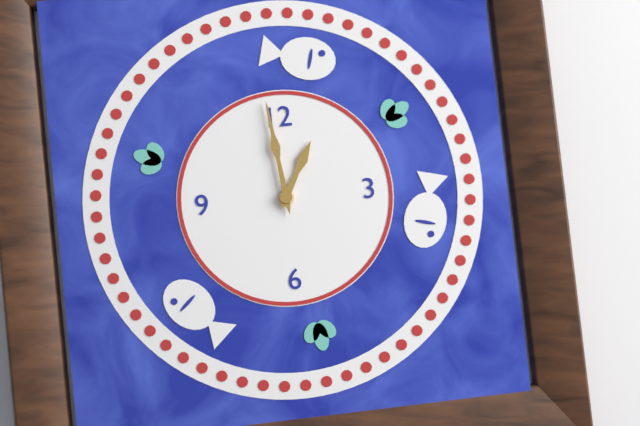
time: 12:59
